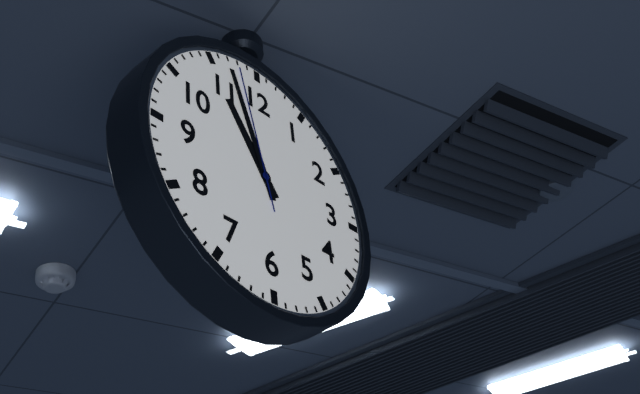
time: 10:57:58
